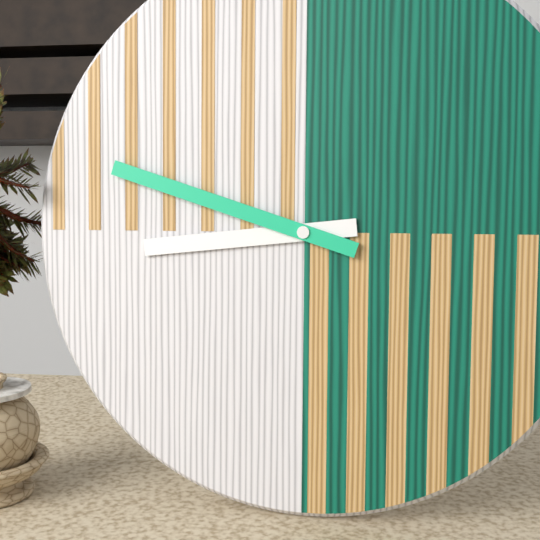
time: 8:48
